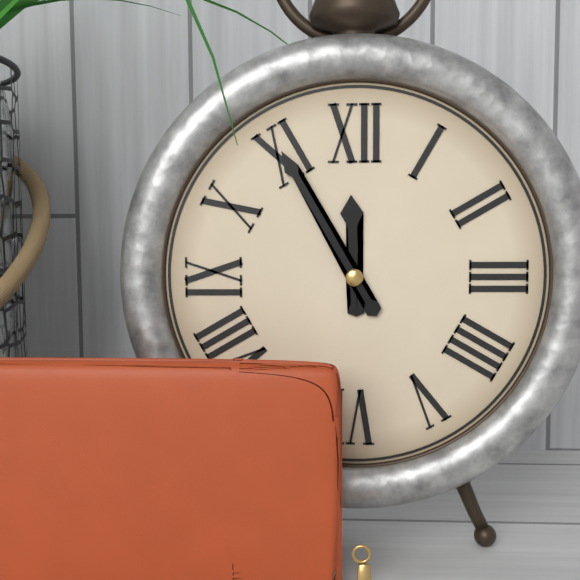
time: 11:55
